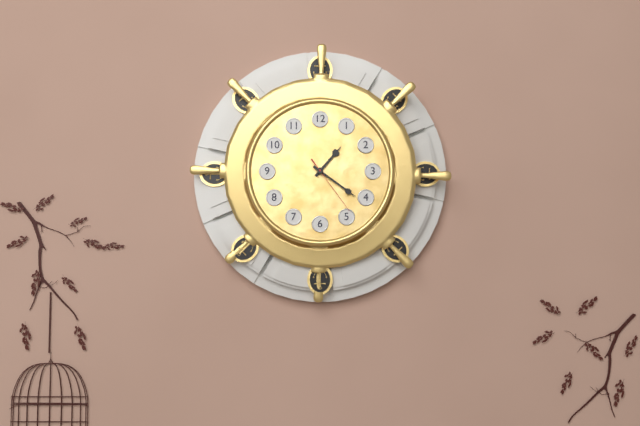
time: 1:21:24
